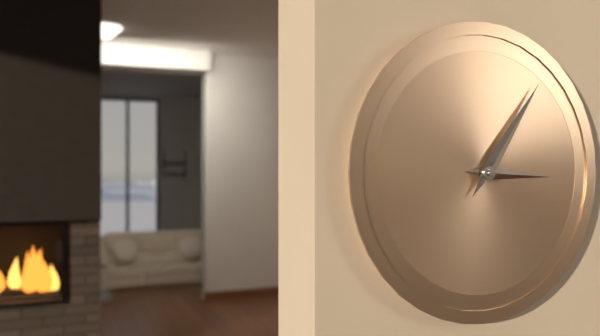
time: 3:06
